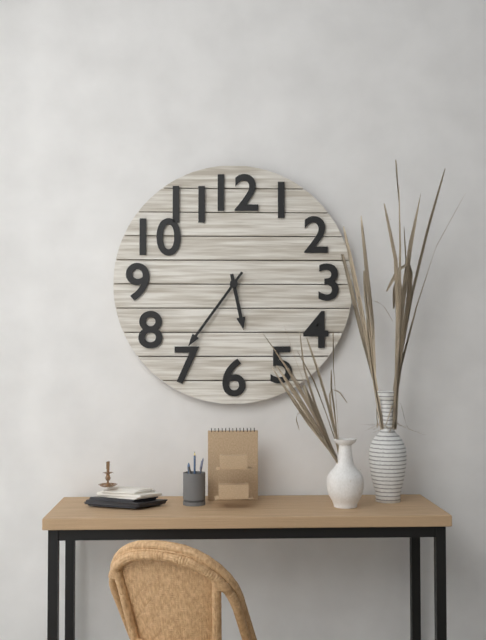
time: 5:36
